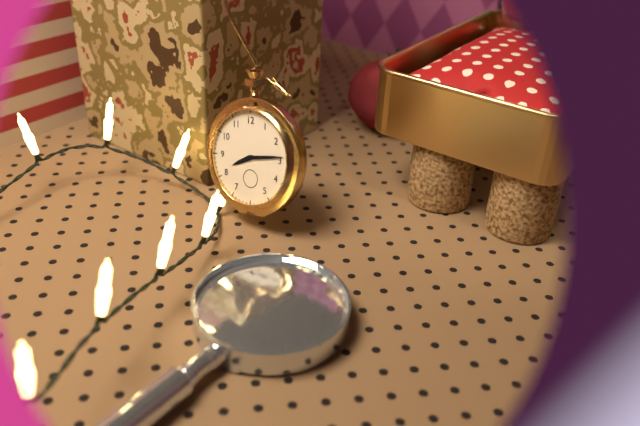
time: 8:14
